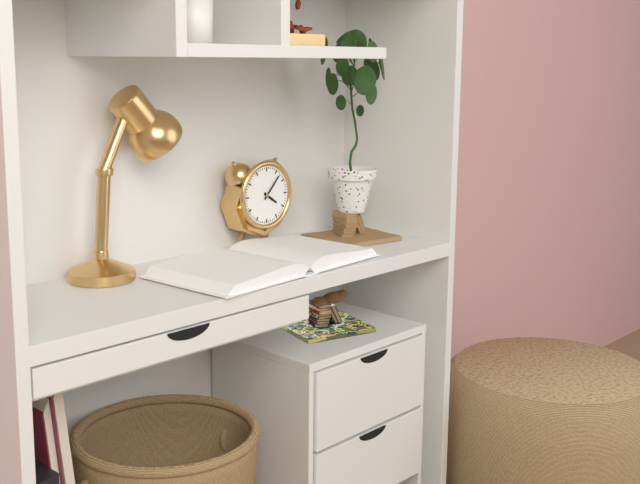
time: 4:07
